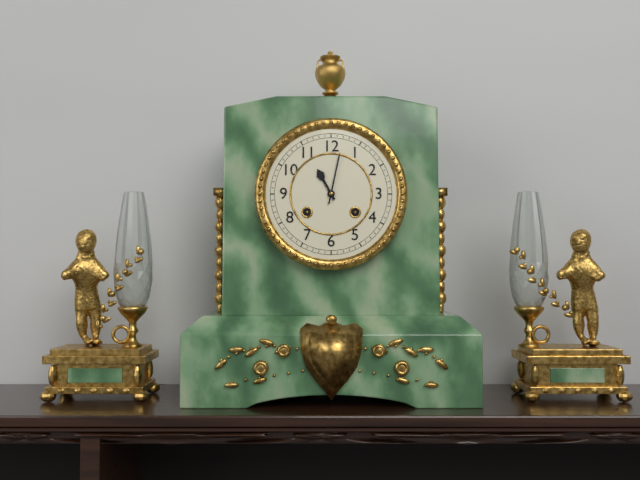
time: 11:02
